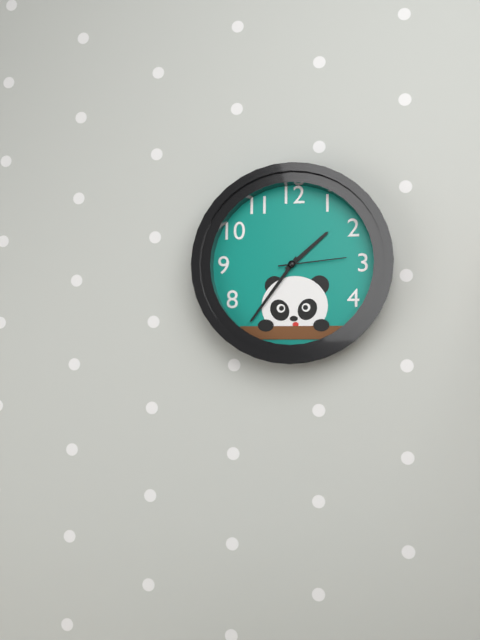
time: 1:36:14
